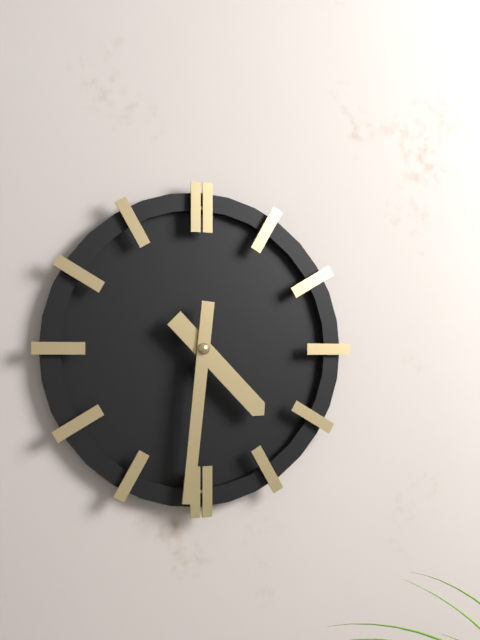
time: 4:31
